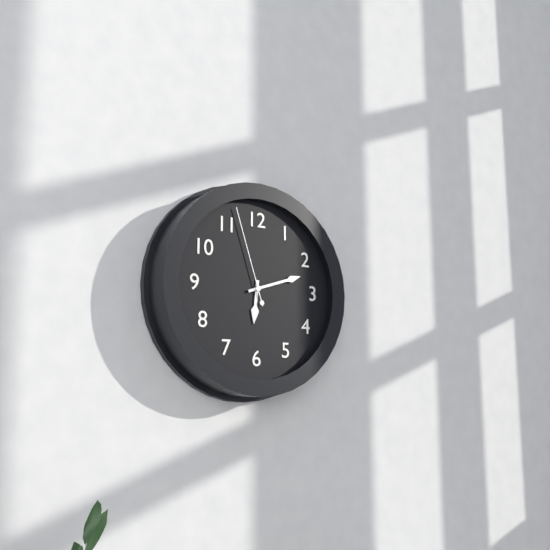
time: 6:12:57
